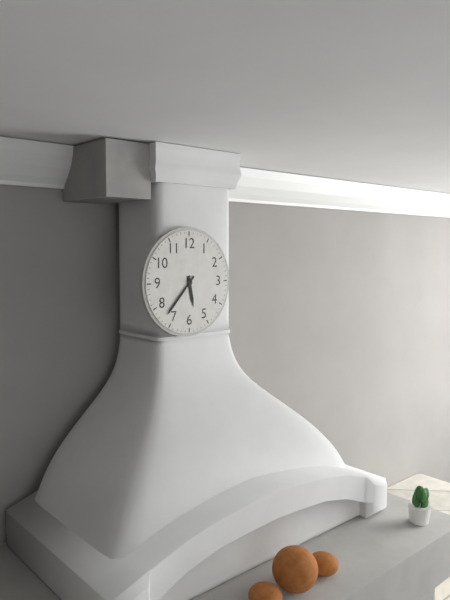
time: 5:37
